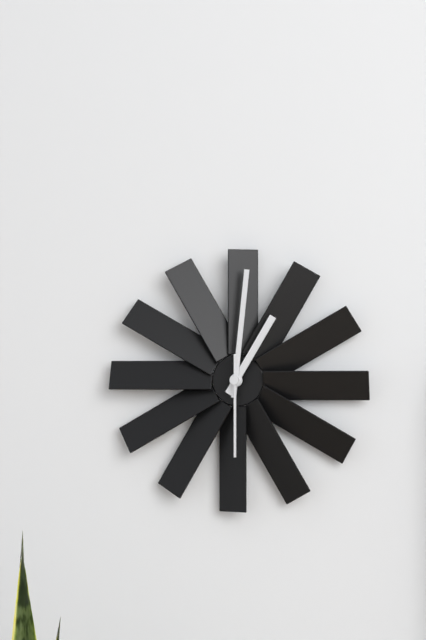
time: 1:01:30
